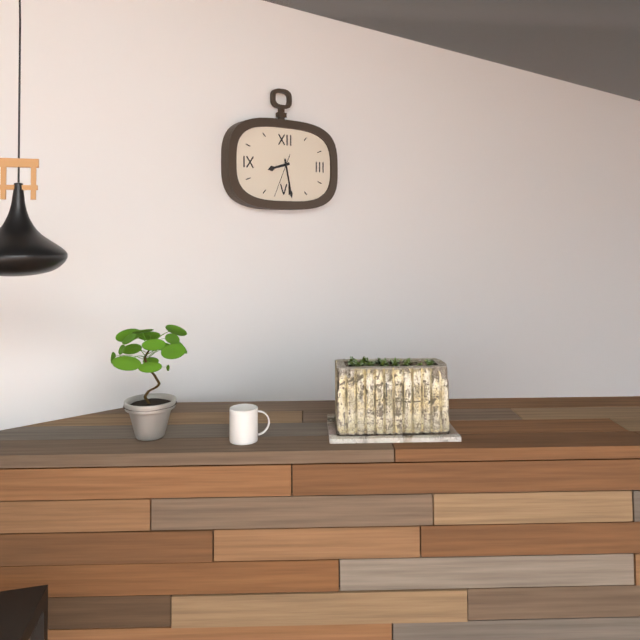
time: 8:28
